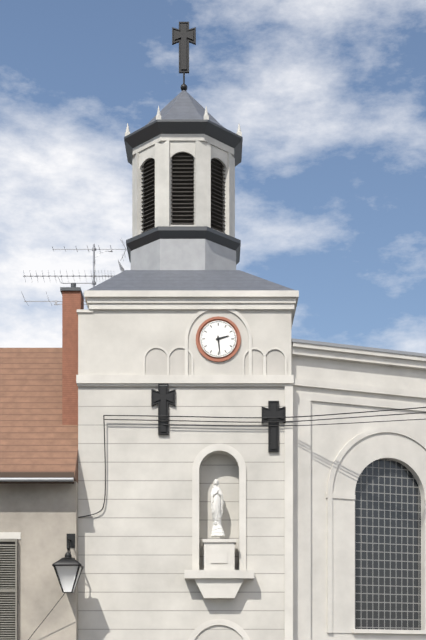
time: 2:29
